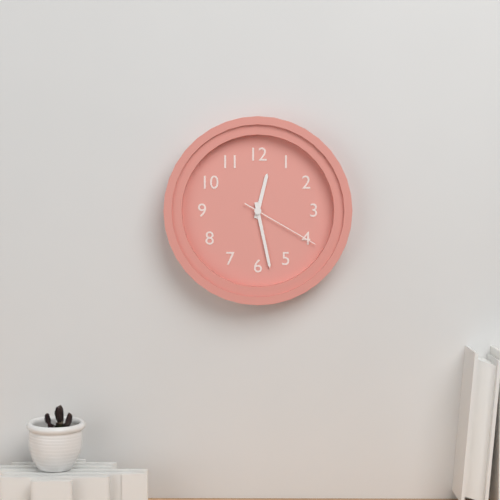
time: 12:28:20
